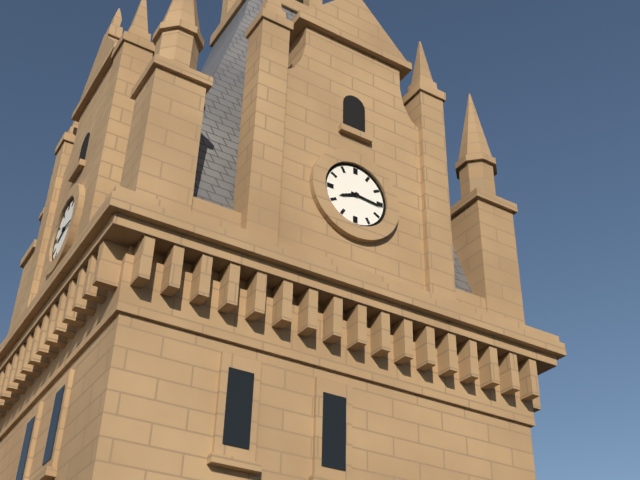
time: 8:16
